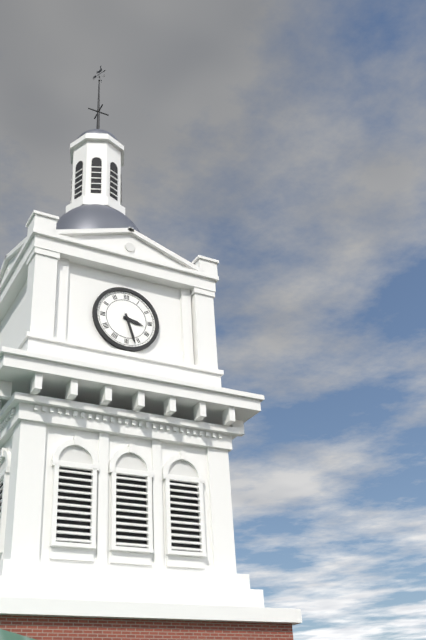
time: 3:27
